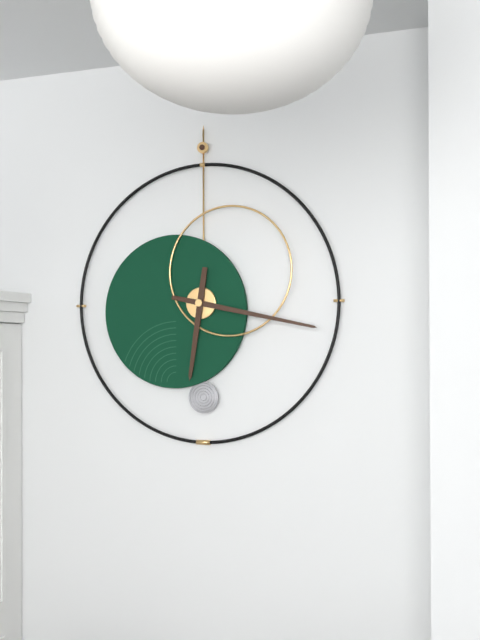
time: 6:17
